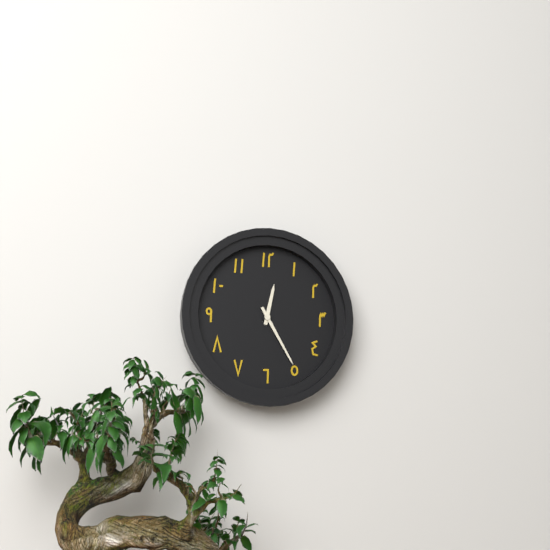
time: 12:25
